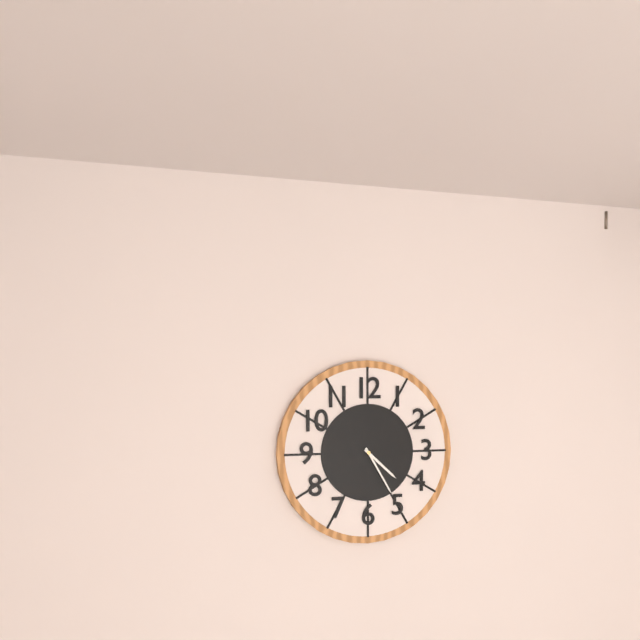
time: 4:25
